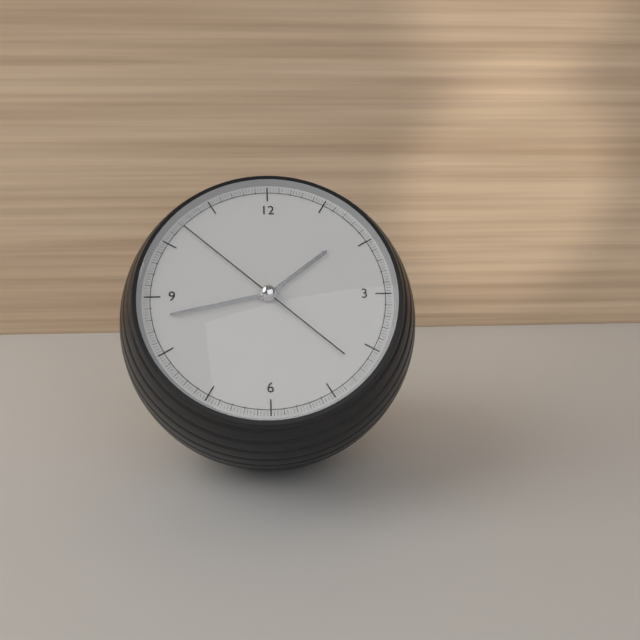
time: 1:43:52
